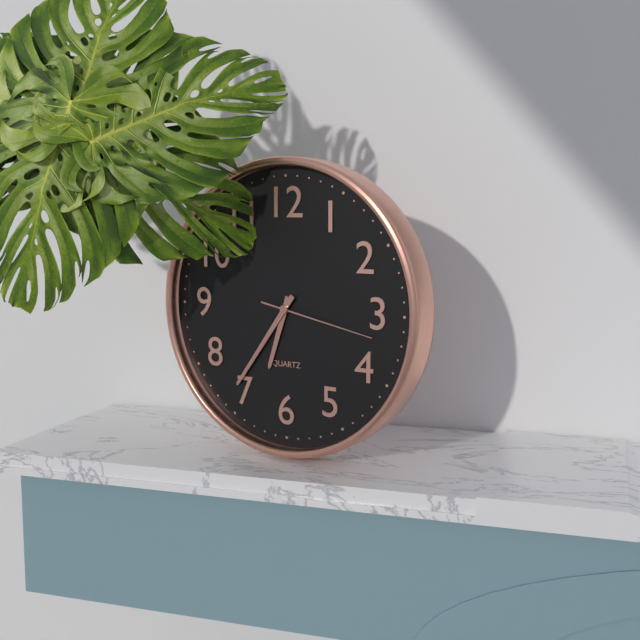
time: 6:36:17
